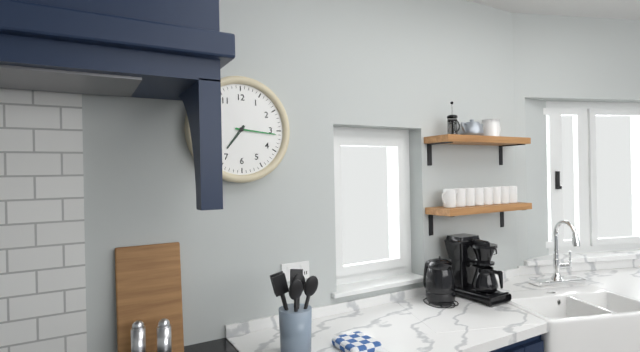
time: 7:16
